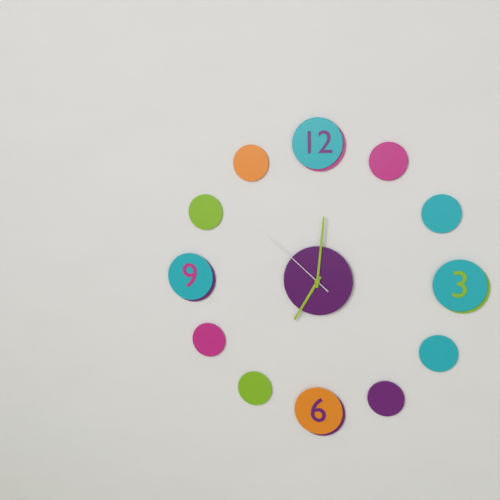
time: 7:01:52
